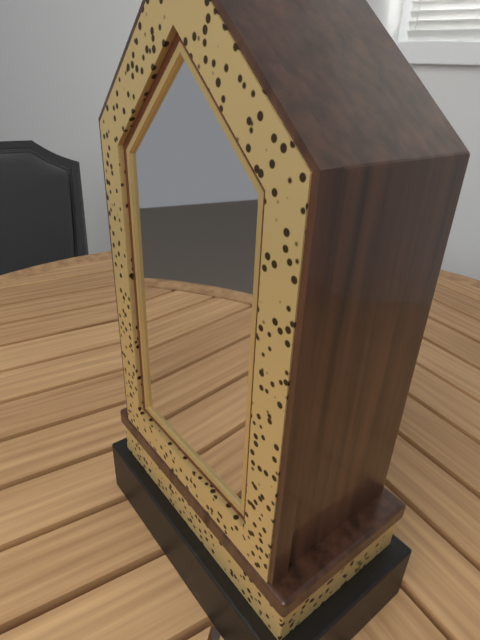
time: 3:33
